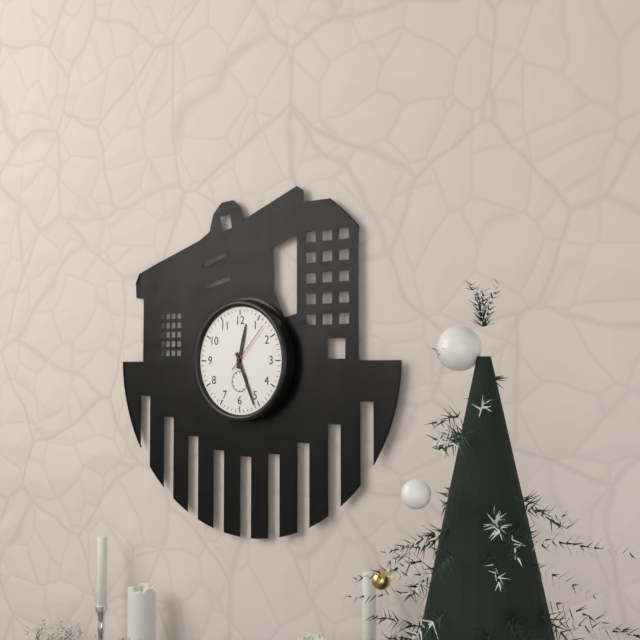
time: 12:26:07
